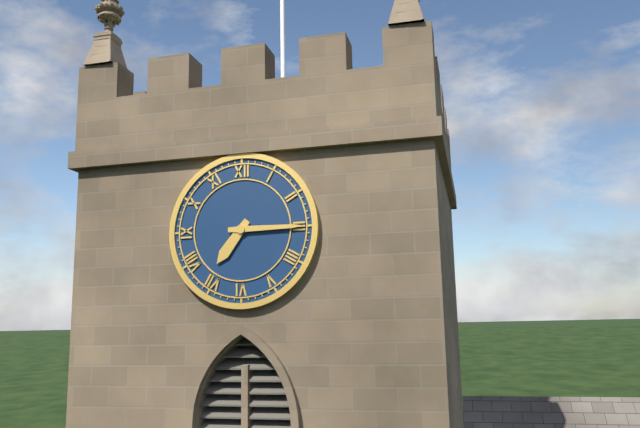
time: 7:15
